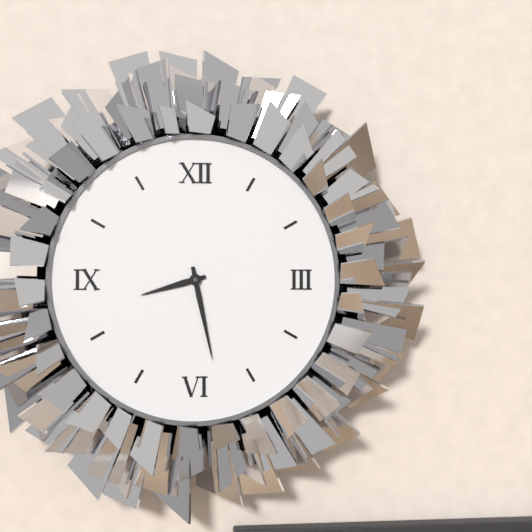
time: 8:28
